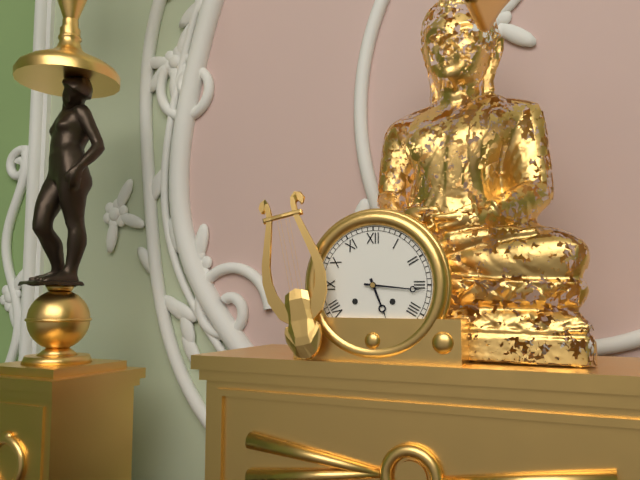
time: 5:16
